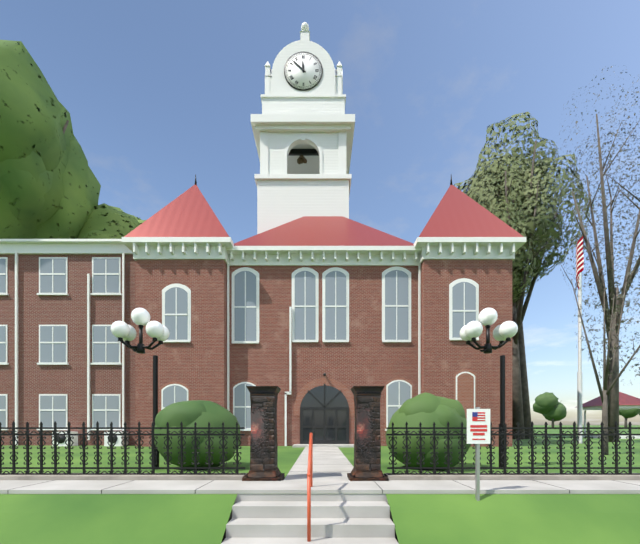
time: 11:52
